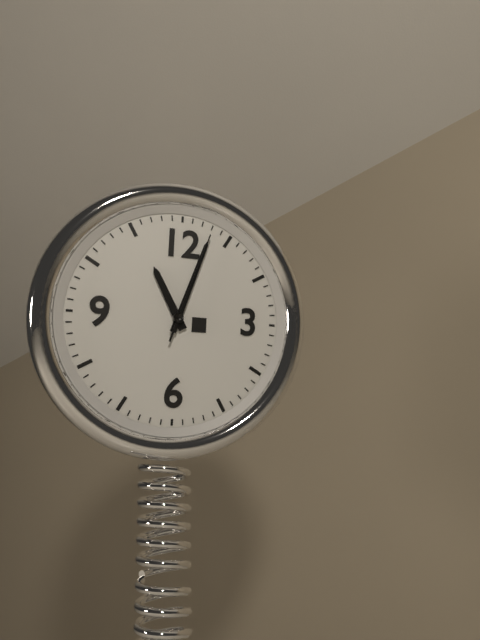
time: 11:03:03
